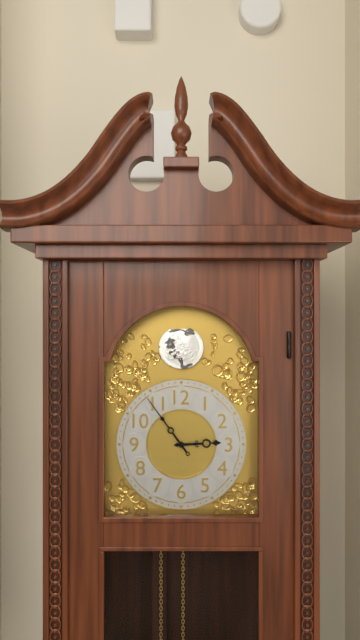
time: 2:54
